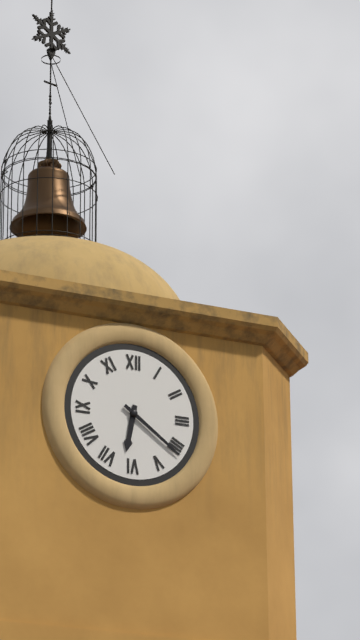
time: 6:21
